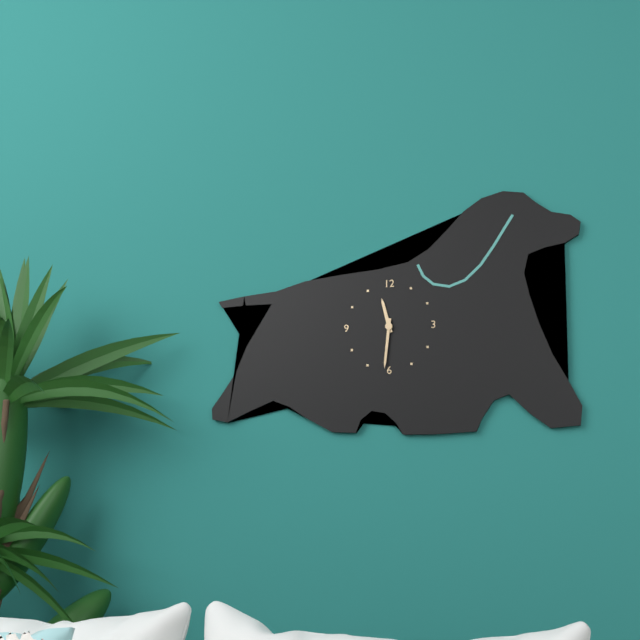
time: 11:31
